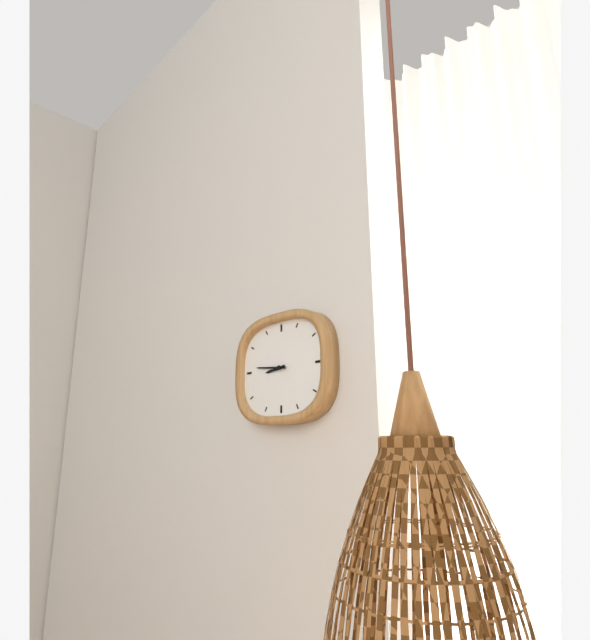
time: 8:46
